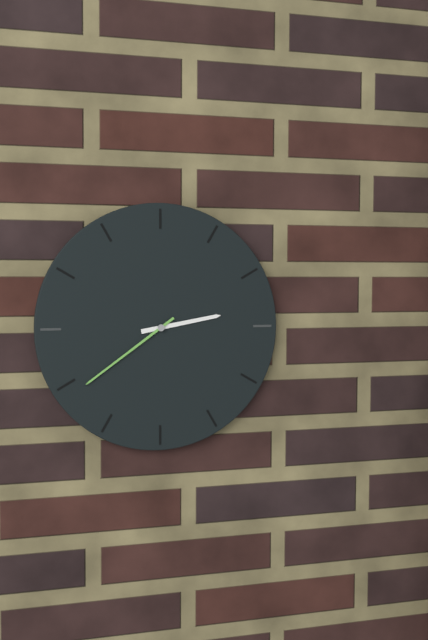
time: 2:39
